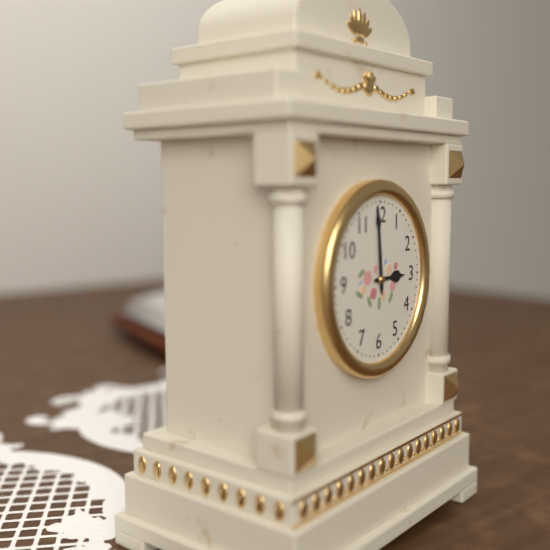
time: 2:59
